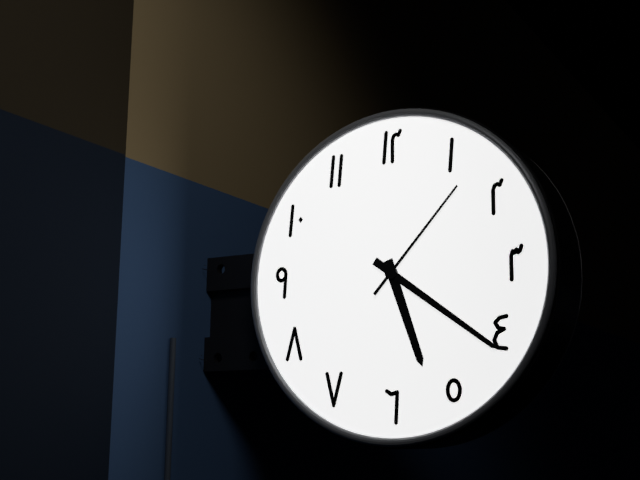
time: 5:21:07
